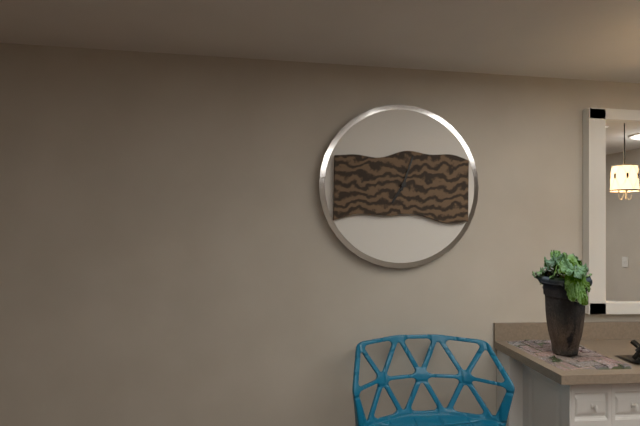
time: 7:03
